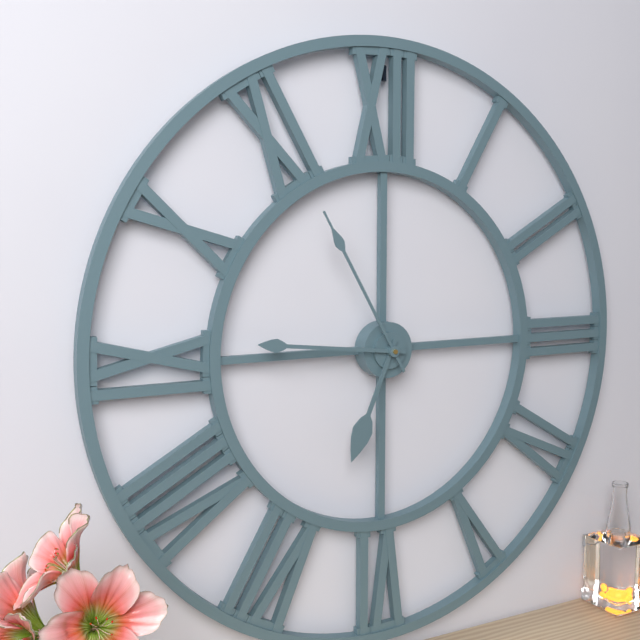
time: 6:46:55
